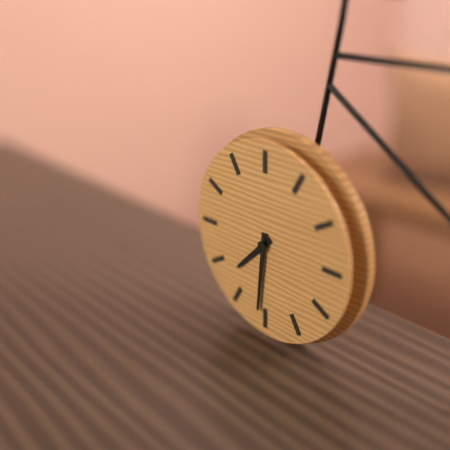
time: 7:31
